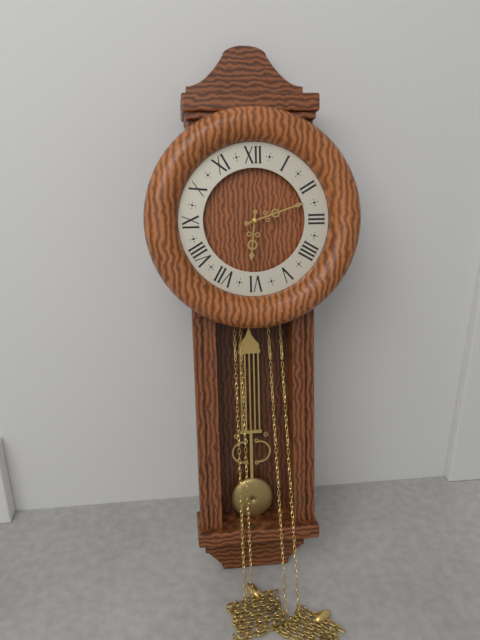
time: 6:12
